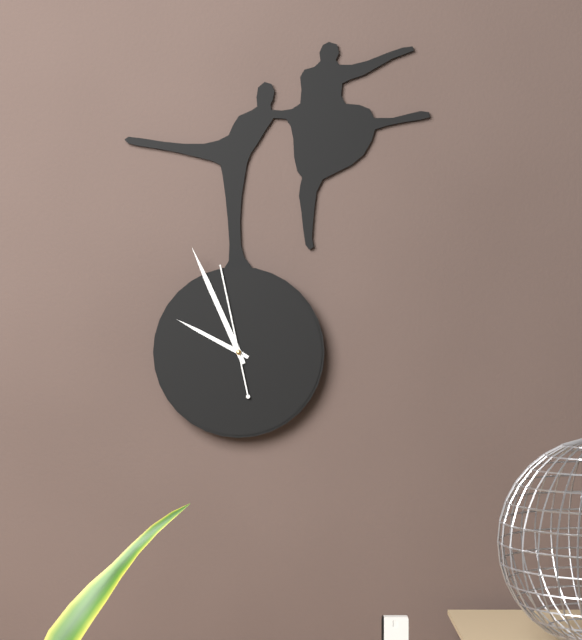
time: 9:56:58
